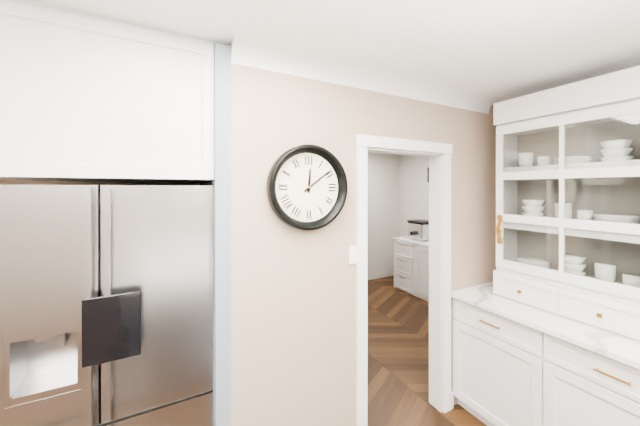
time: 12:09
